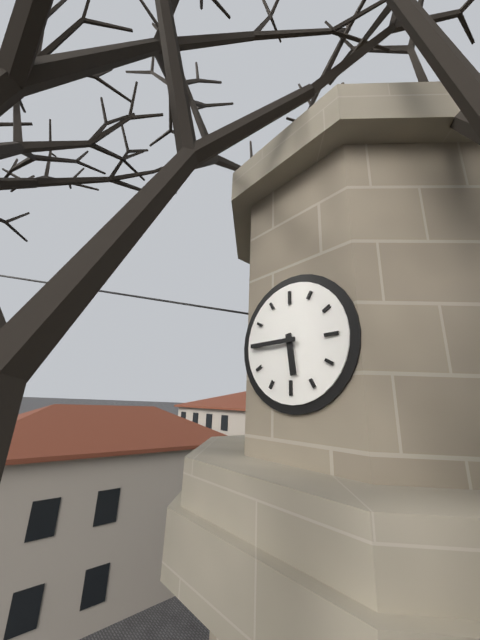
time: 5:45
